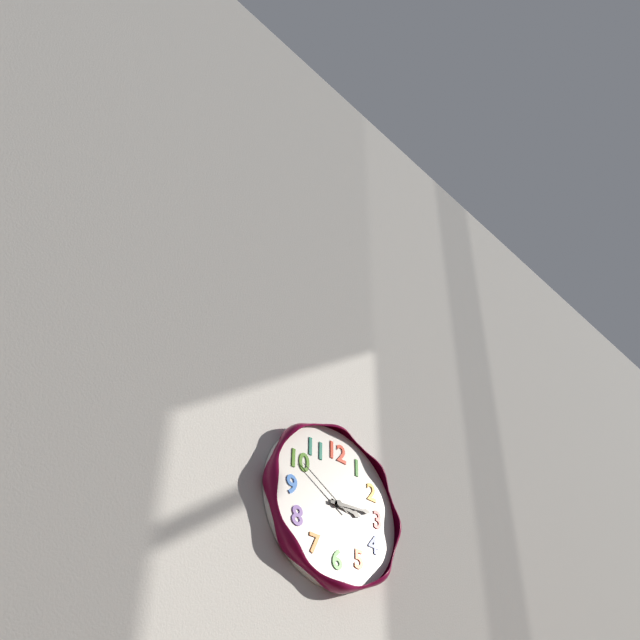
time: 3:14:50
